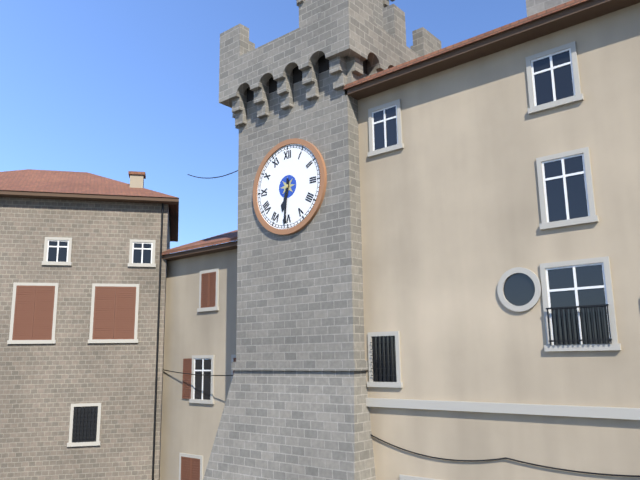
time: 6:31
